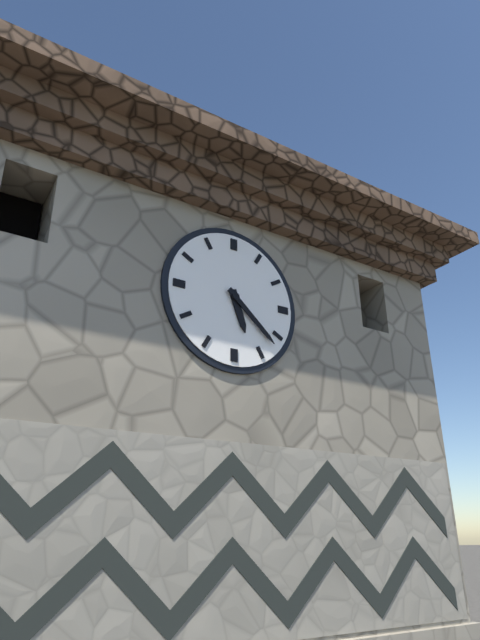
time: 5:22
